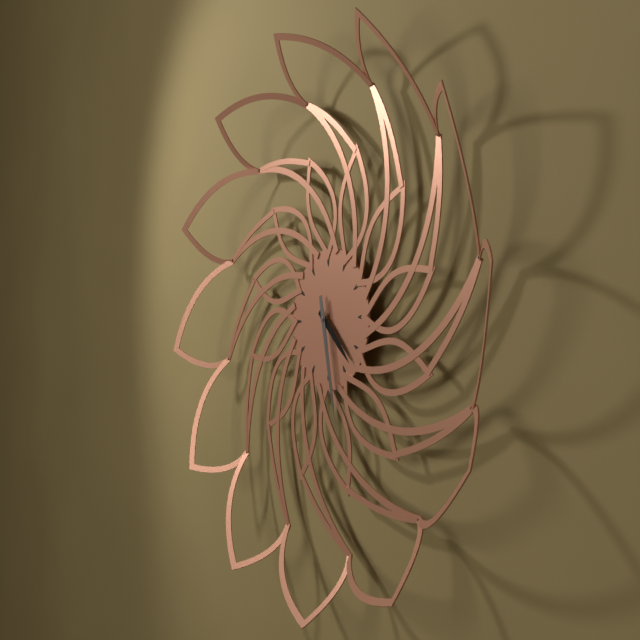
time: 4:28
